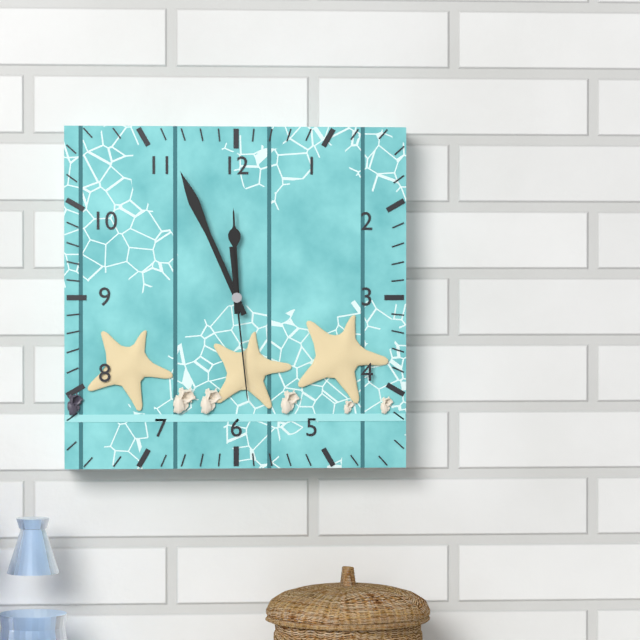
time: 11:56:29
